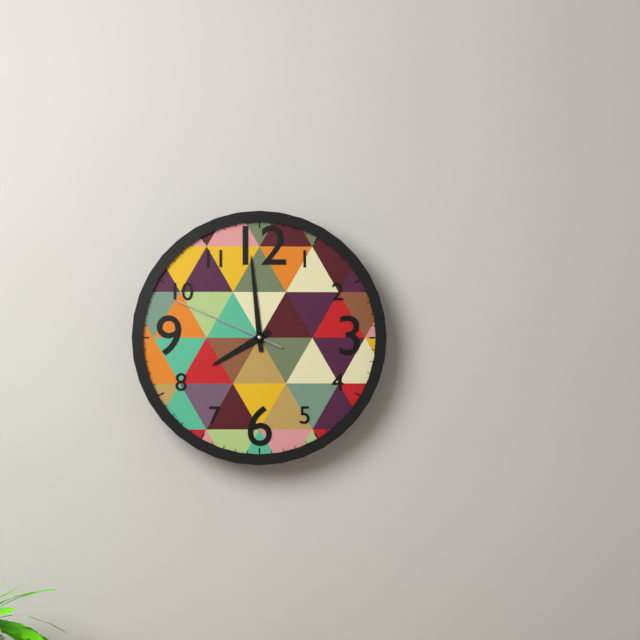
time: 7:59:49
